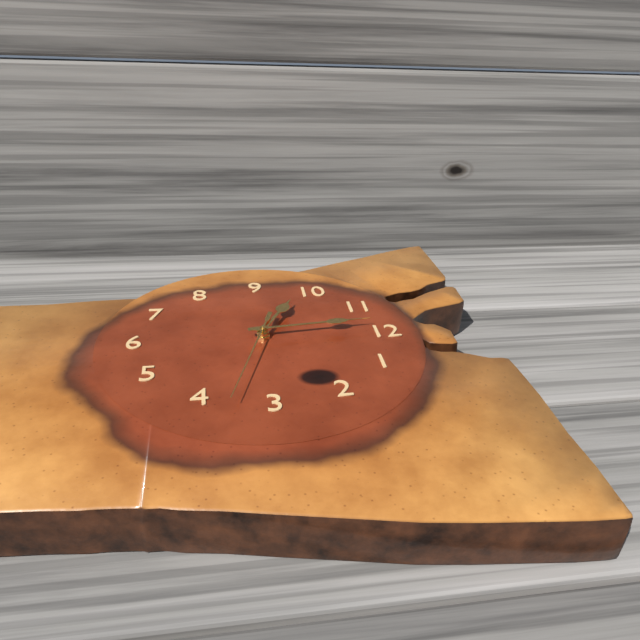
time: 9:59:18
